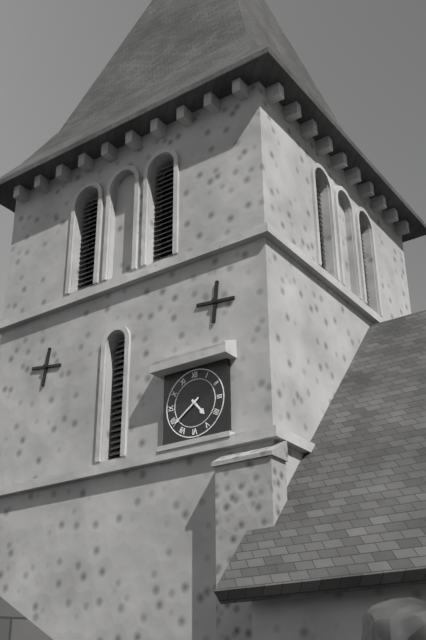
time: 4:39
